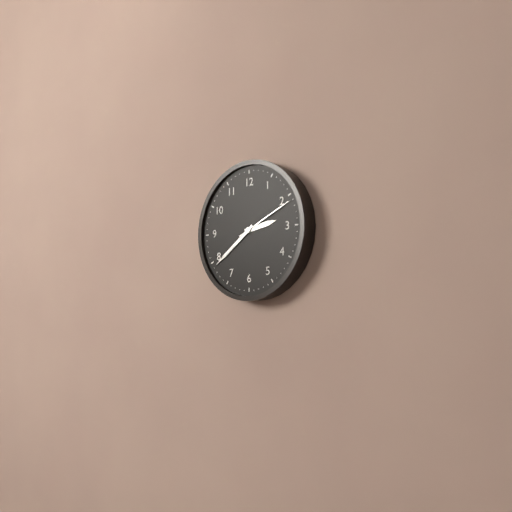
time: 2:39:11
